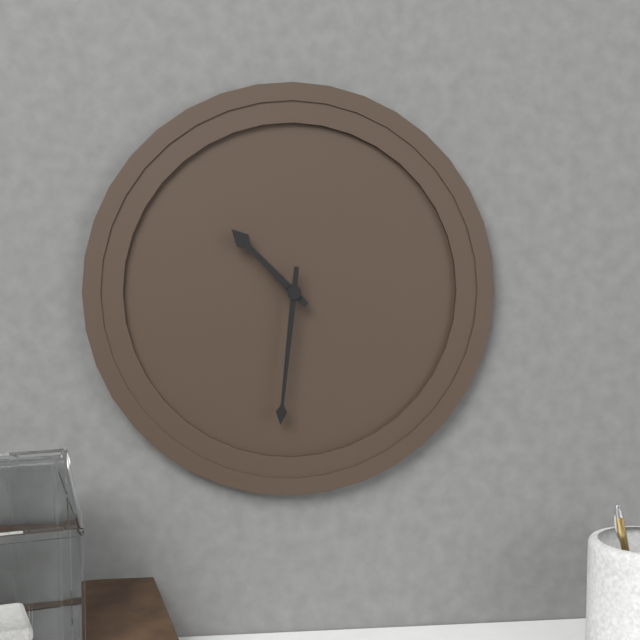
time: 10:31
